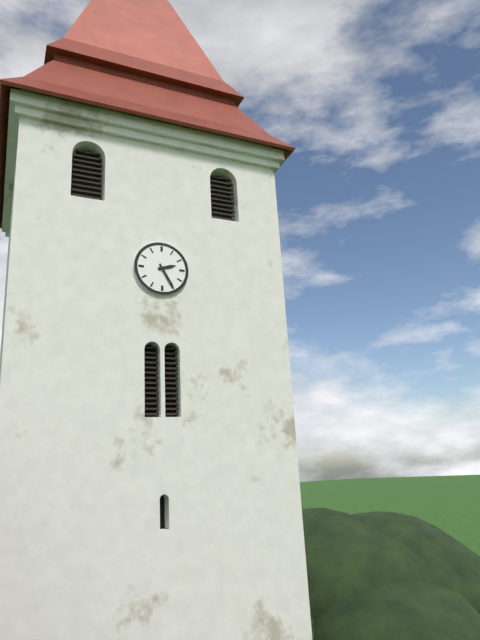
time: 2:25
